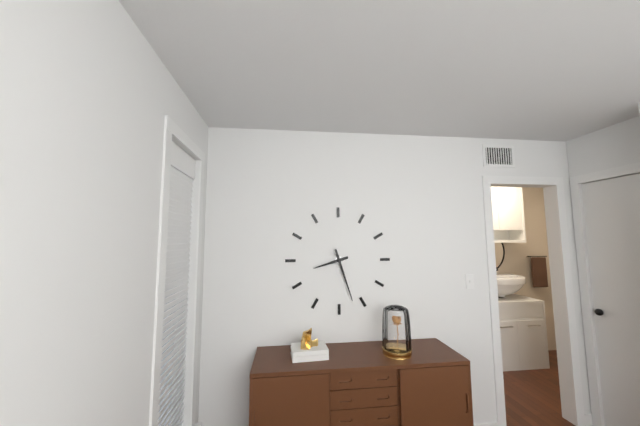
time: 8:27
